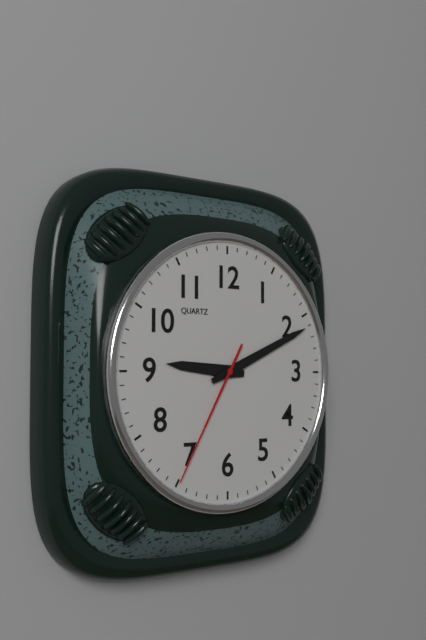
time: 9:11:35
